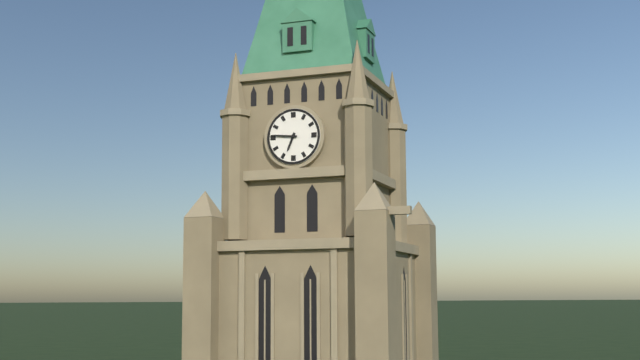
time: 6:46
